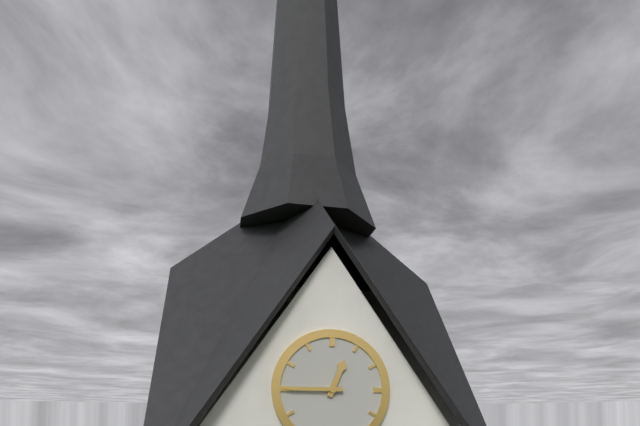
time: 12:45
